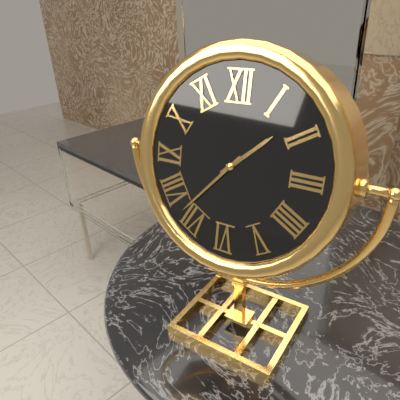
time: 1:37
